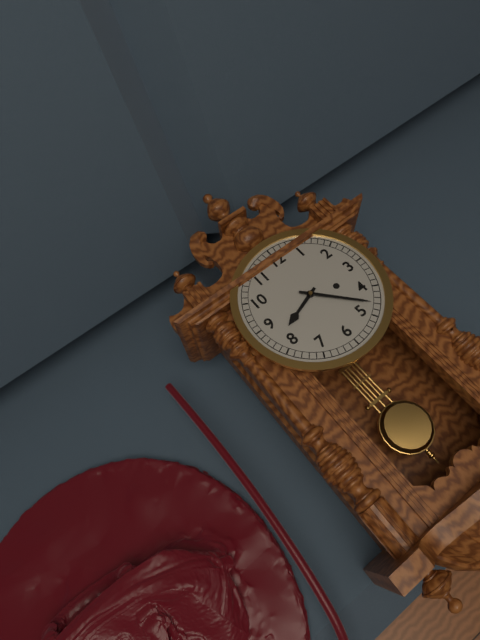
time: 8:23
